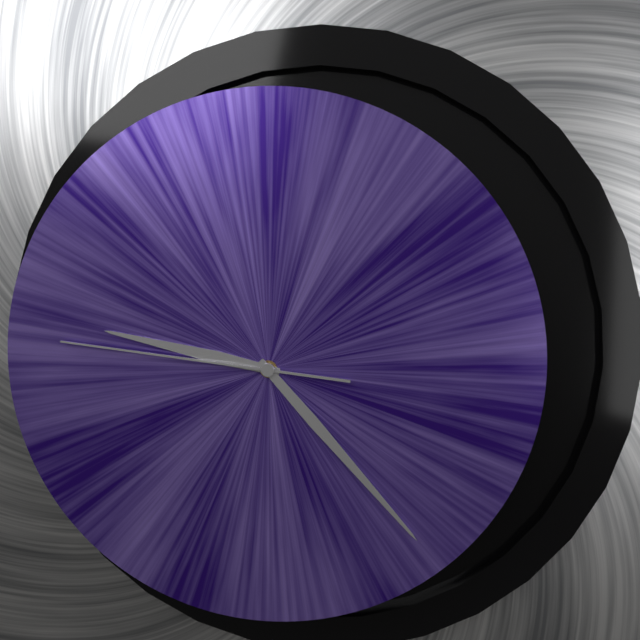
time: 9:23:46
